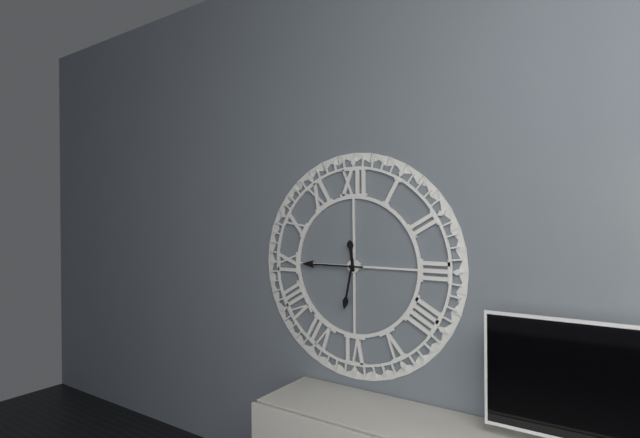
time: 11:45:32
